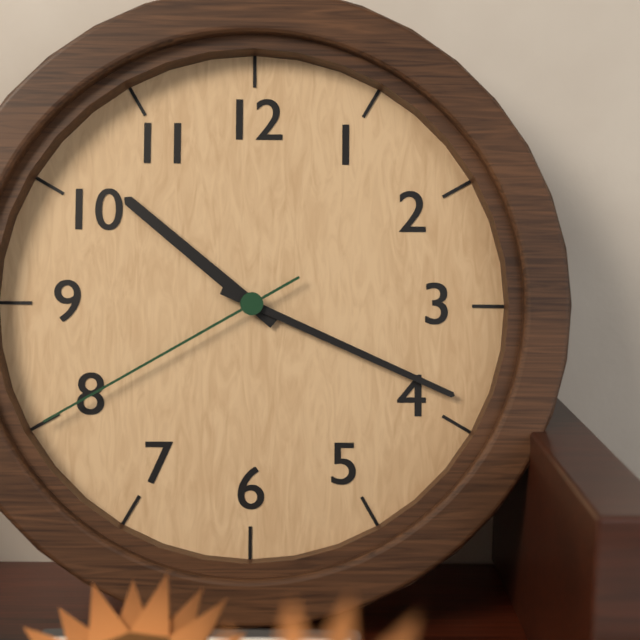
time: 10:19:40
